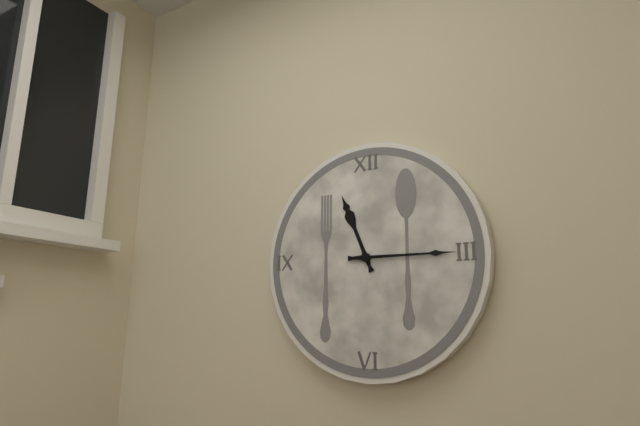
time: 11:15
